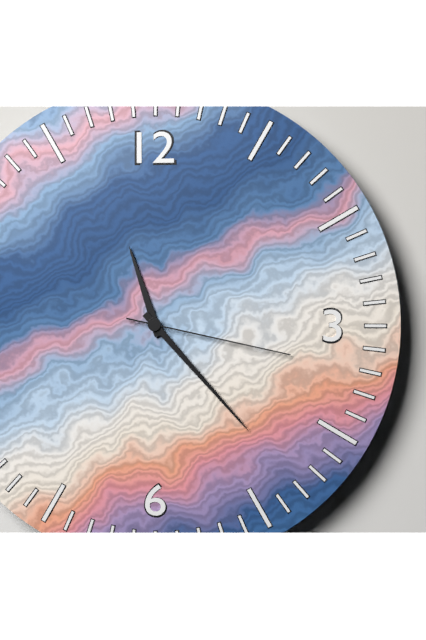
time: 11:23:17
